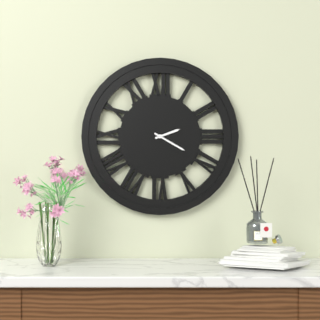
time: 2:20
